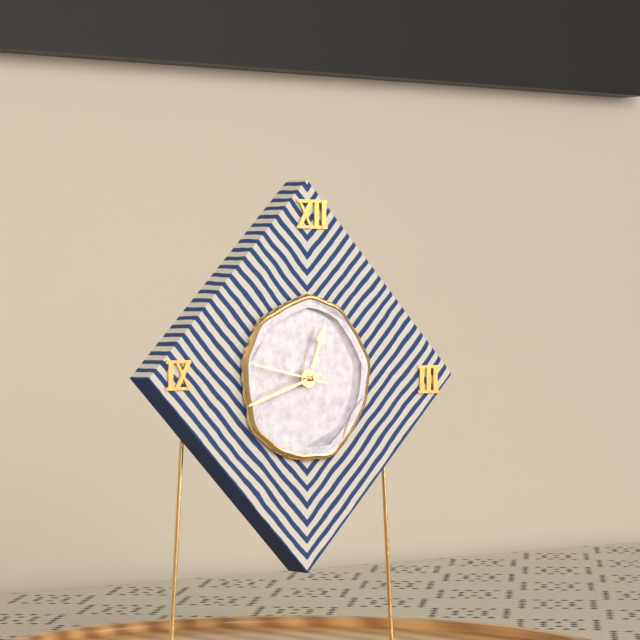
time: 12:42:47
